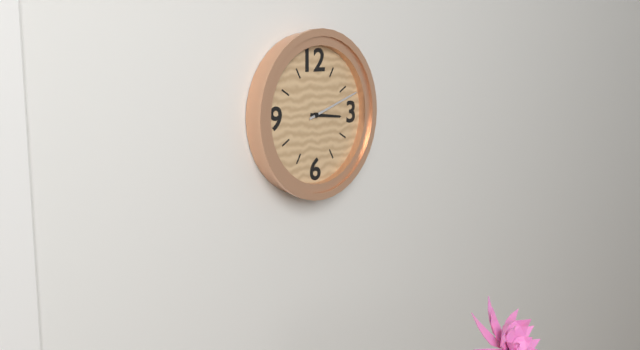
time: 3:12
